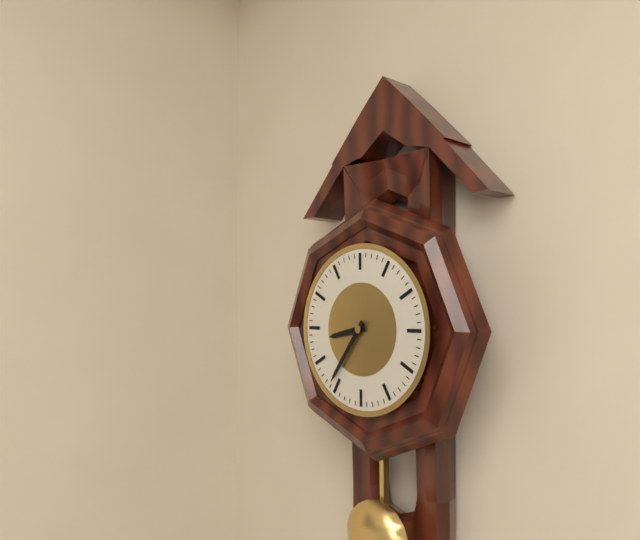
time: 8:36
